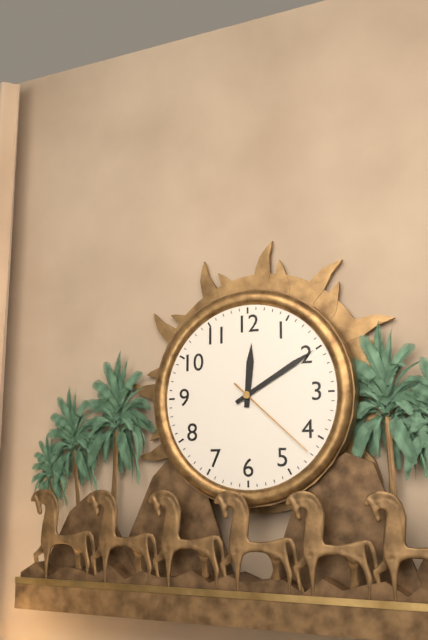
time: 12:10:22
